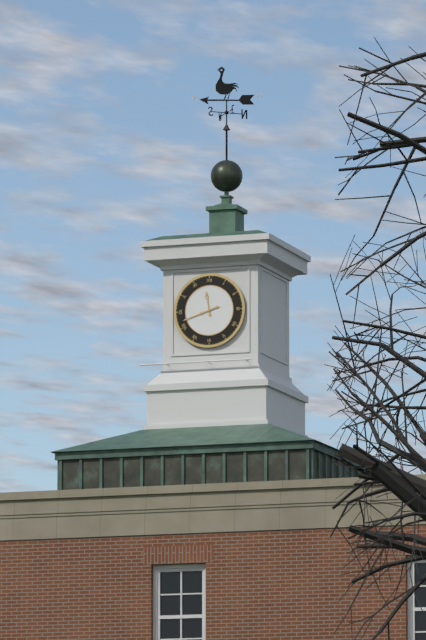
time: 11:42
